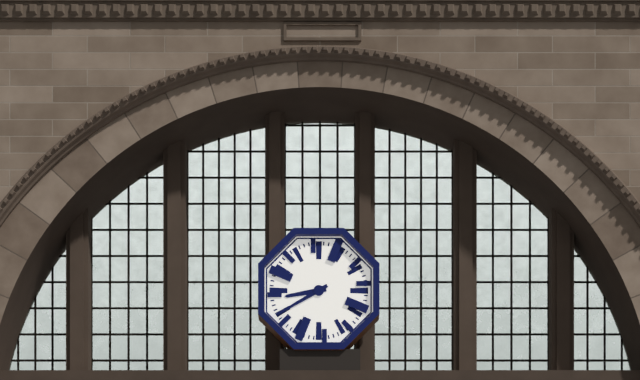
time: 8:40
